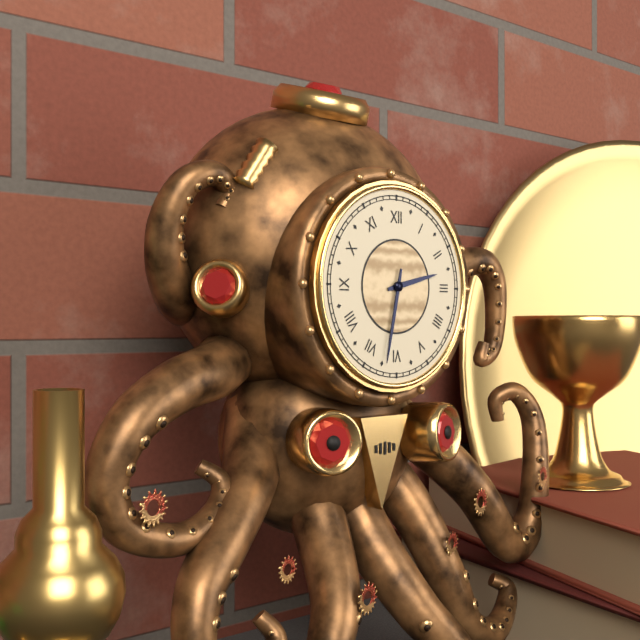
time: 2:32
